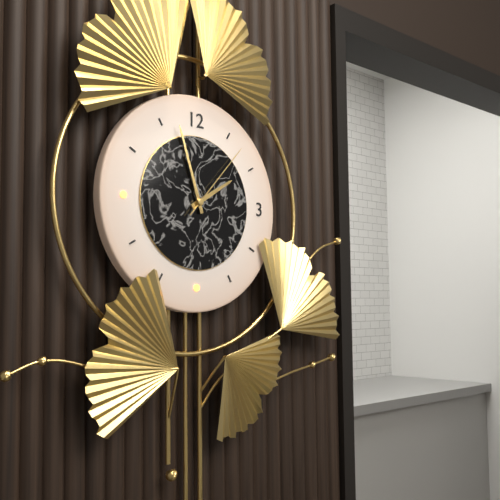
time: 1:57:07
